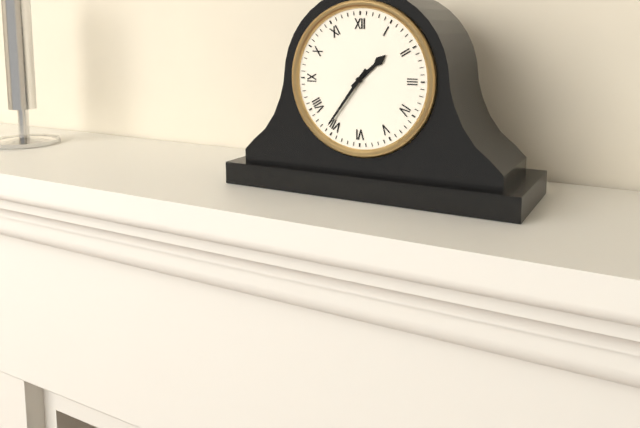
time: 1:36
